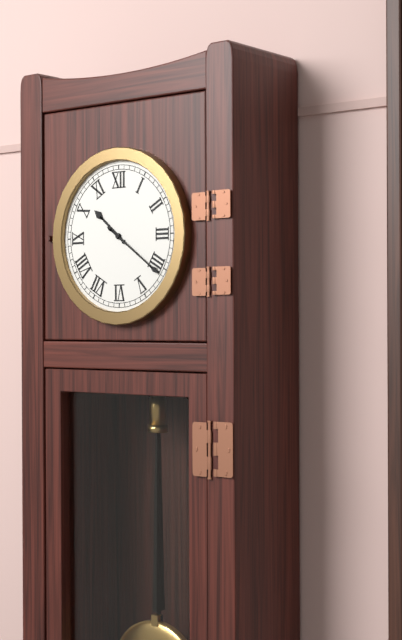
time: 10:21
